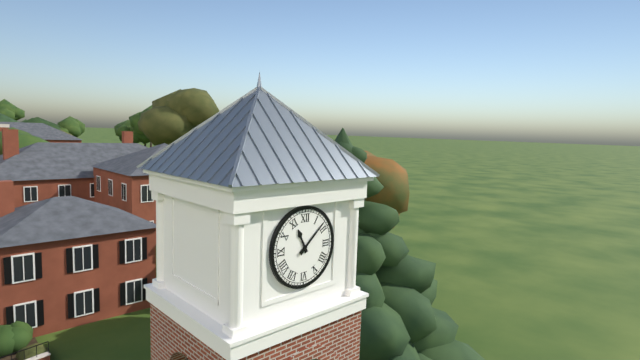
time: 11:08
